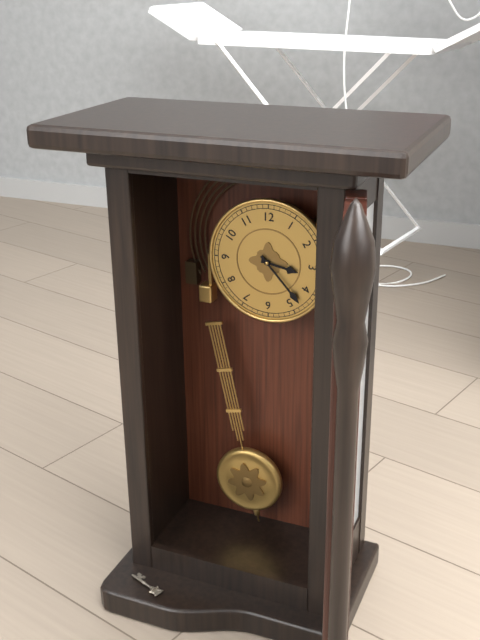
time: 3:23
